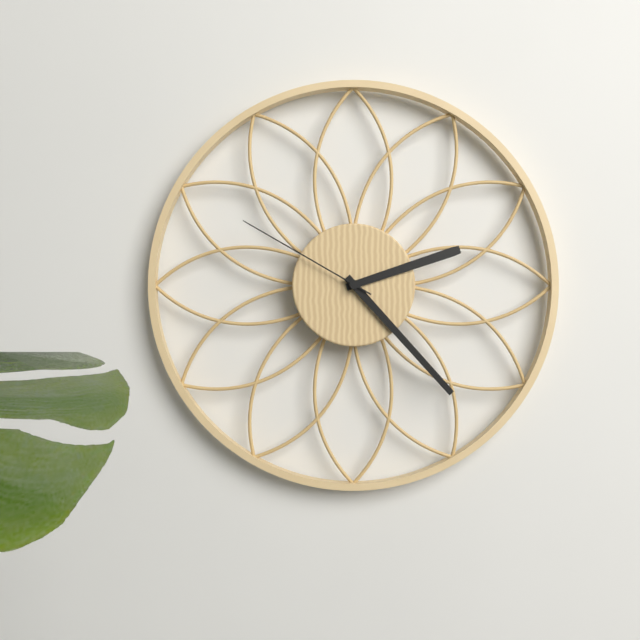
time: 2:23:50
